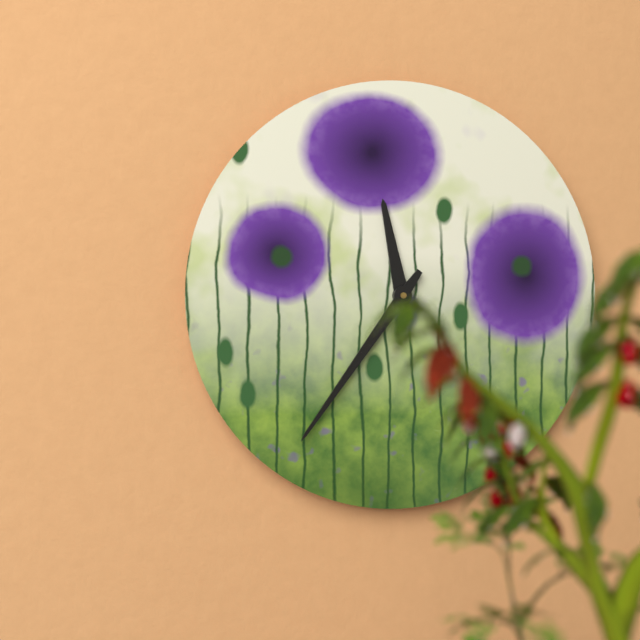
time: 11:36
